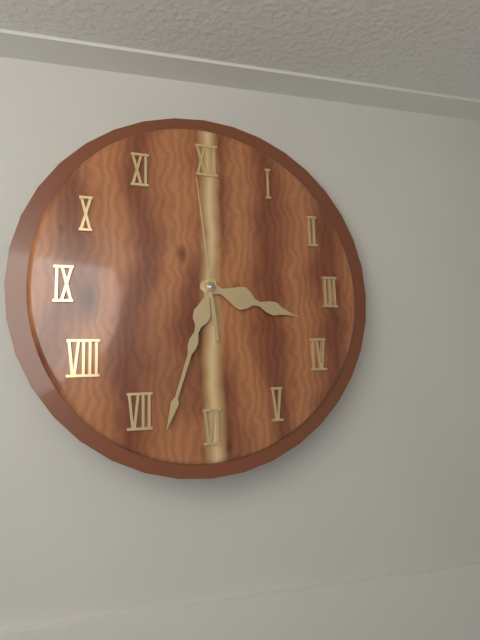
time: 3:33:59
